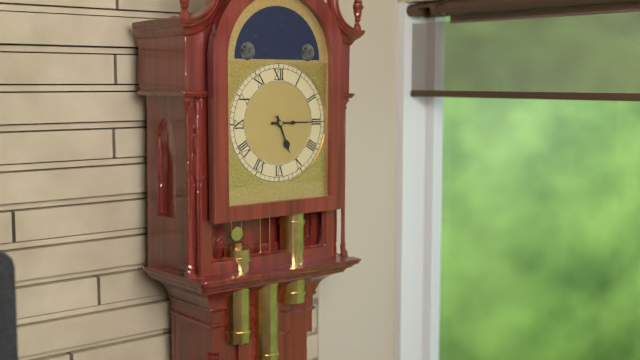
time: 5:15
